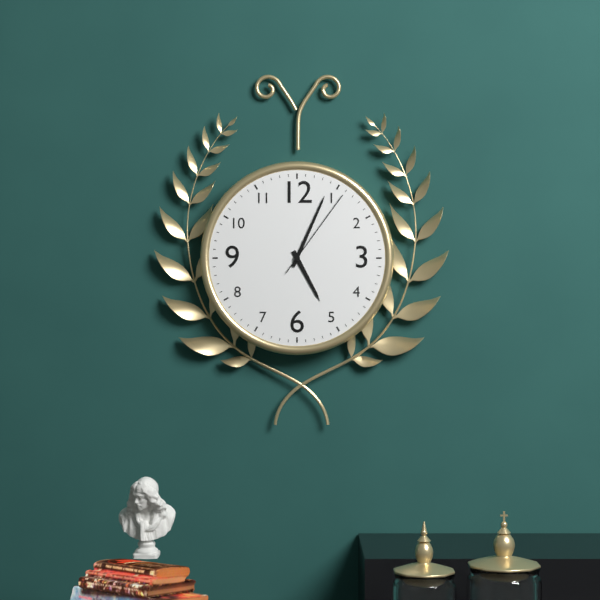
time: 5:04:06
